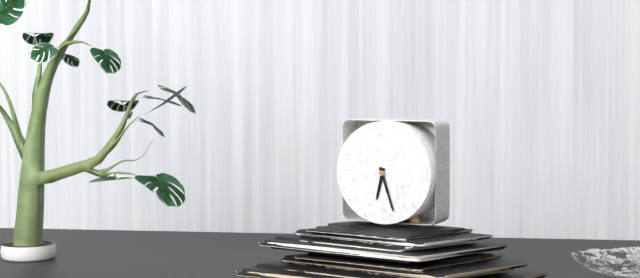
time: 6:27
